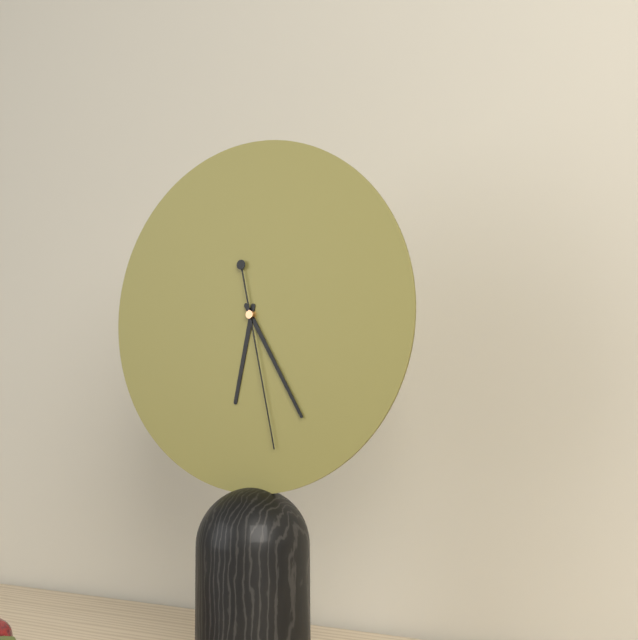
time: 6:25:28
